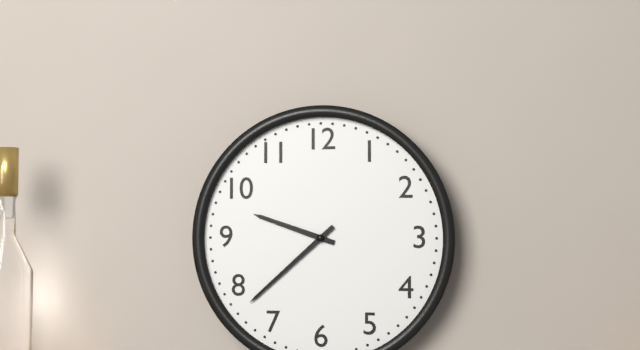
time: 9:38
